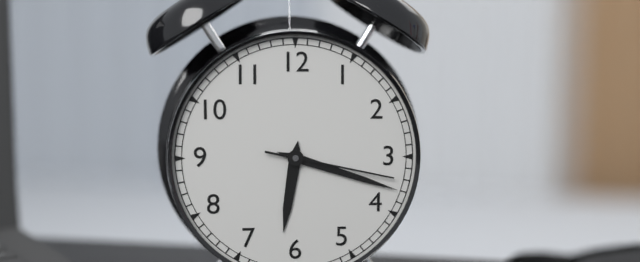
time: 6:18:17
